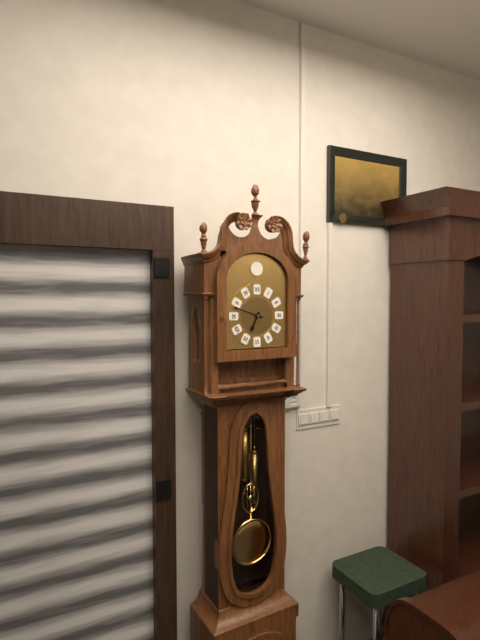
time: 6:48
